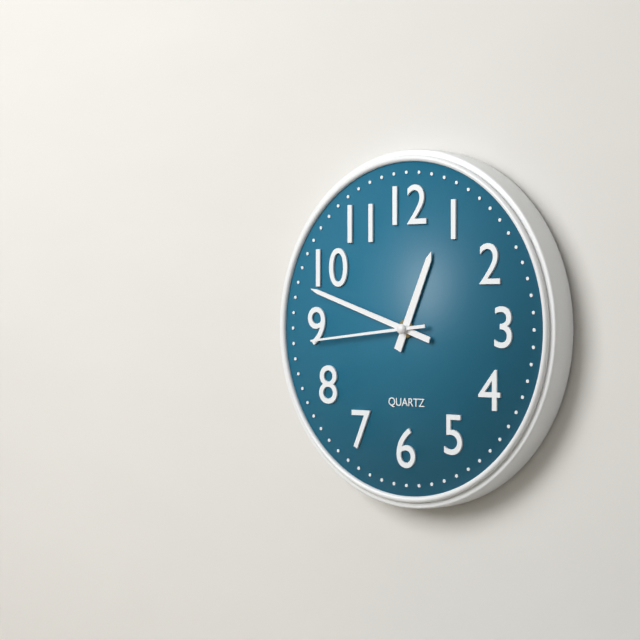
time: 12:48:44
